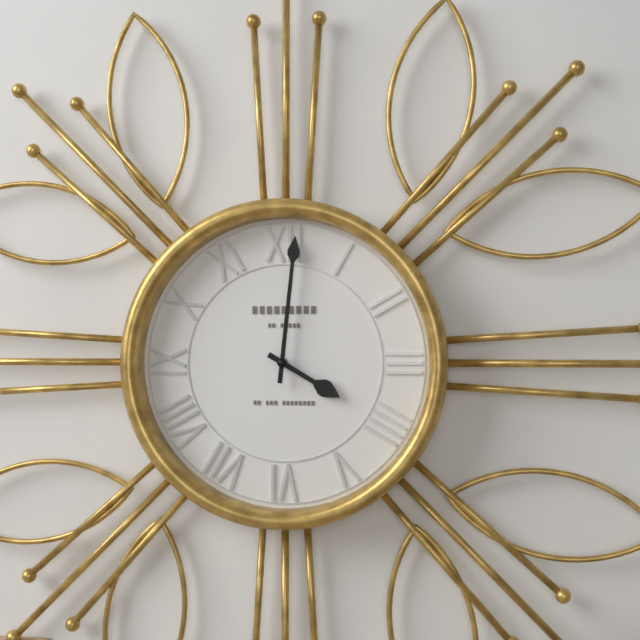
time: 4:01
